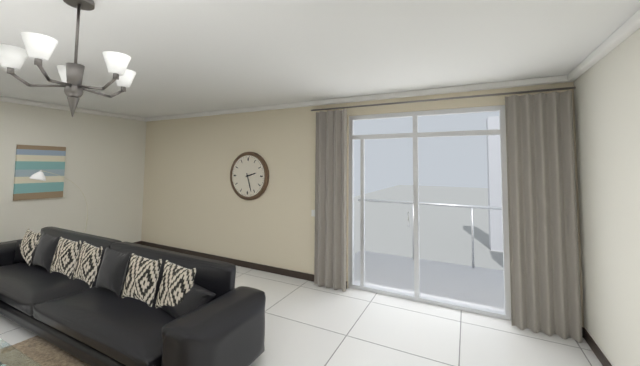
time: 2:27
